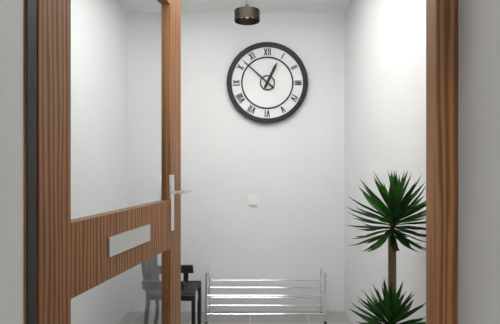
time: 12:52
